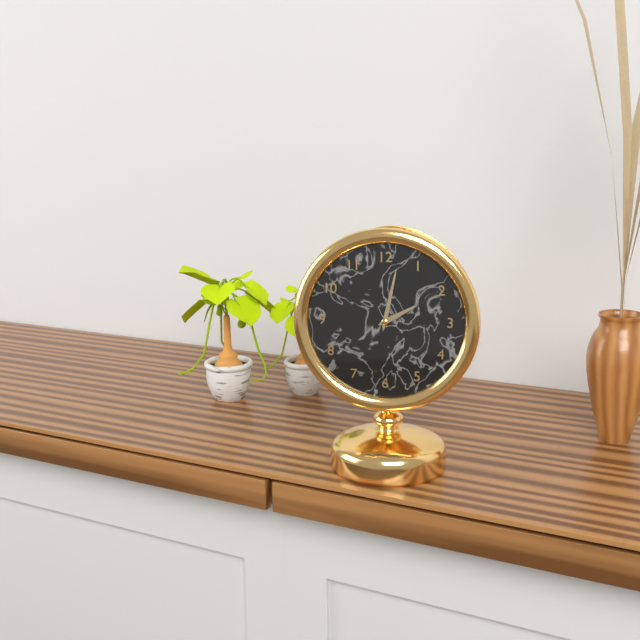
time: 2:02
